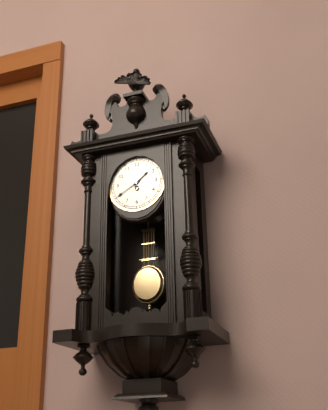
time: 1:40
